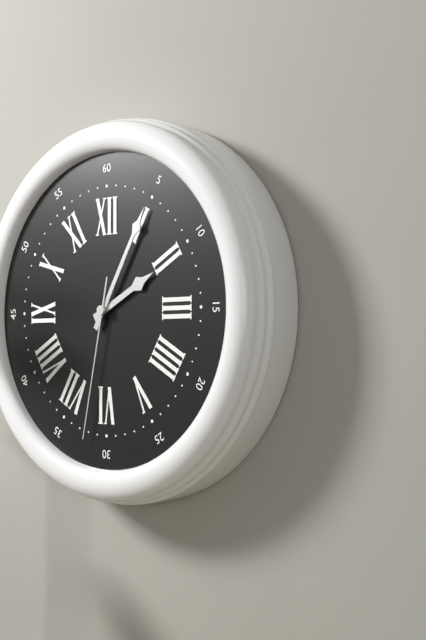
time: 2:05:32
